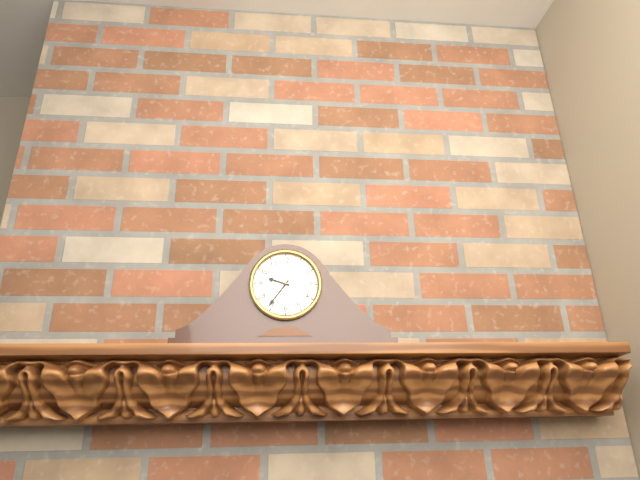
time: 9:36
